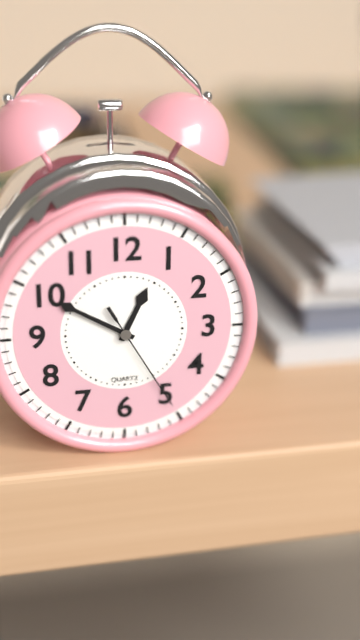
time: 12:50:25
